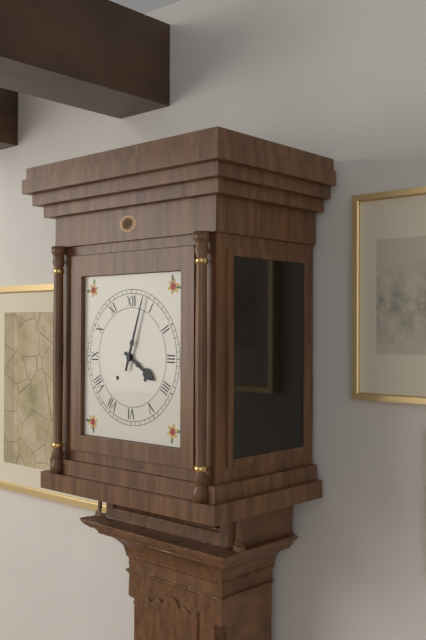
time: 4:03
